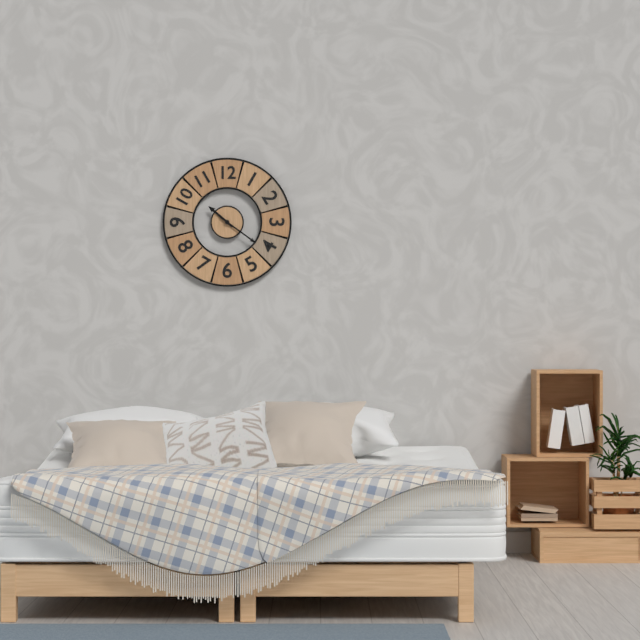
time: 10:21
